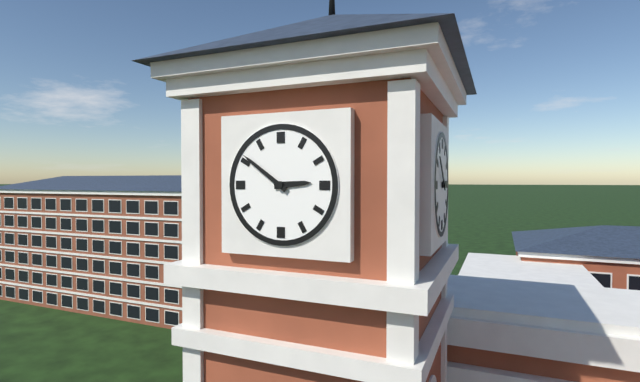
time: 2:51
